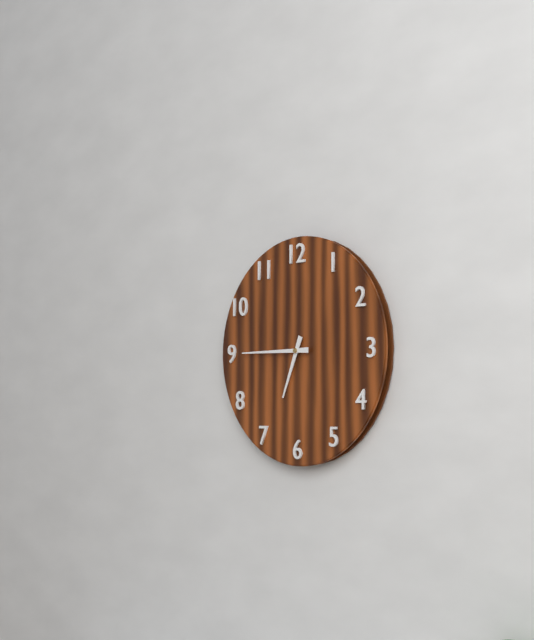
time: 6:45
